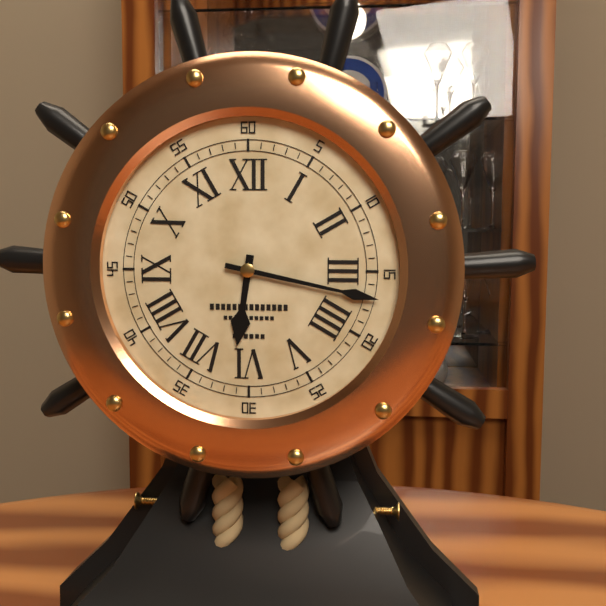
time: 6:17
